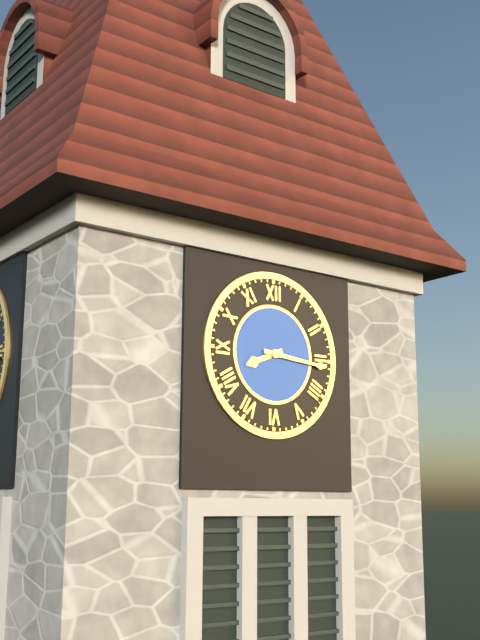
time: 8:16
